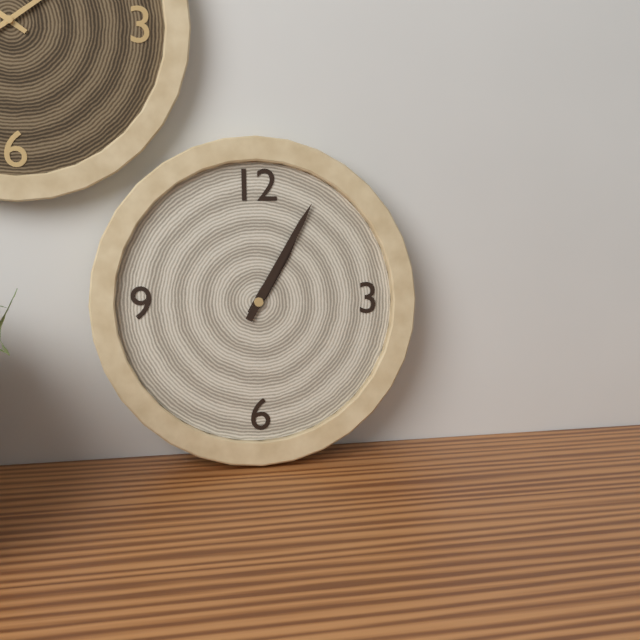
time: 1:05
